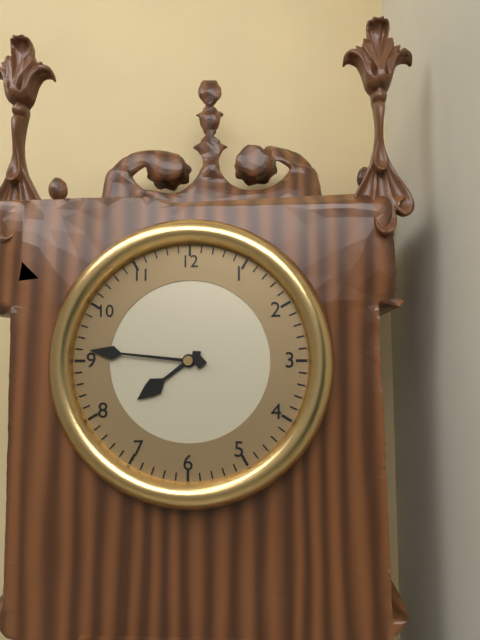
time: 7:46
